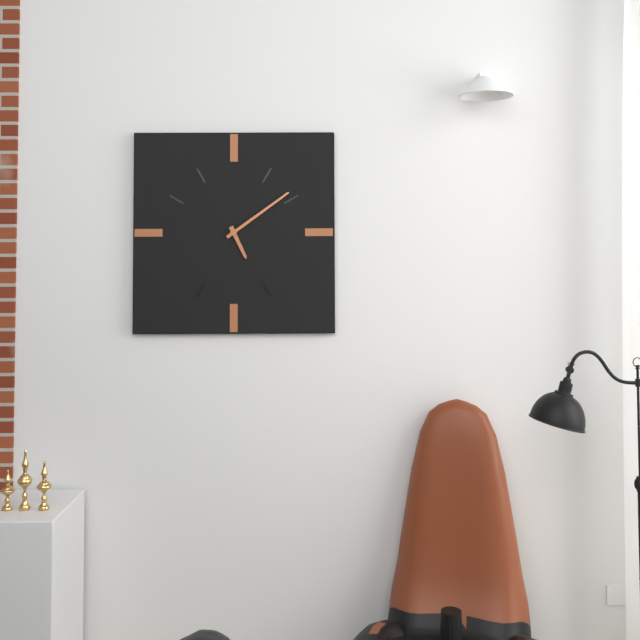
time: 5:09
